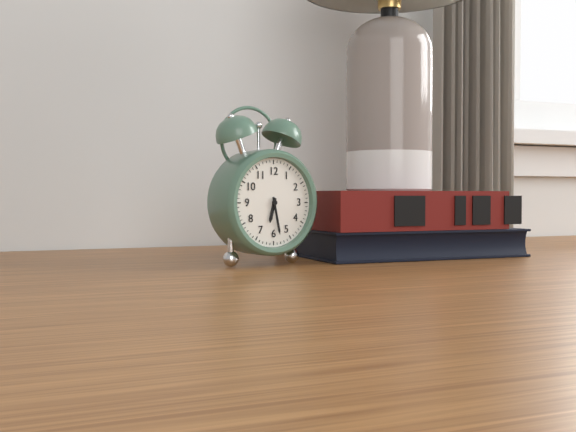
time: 6:28
